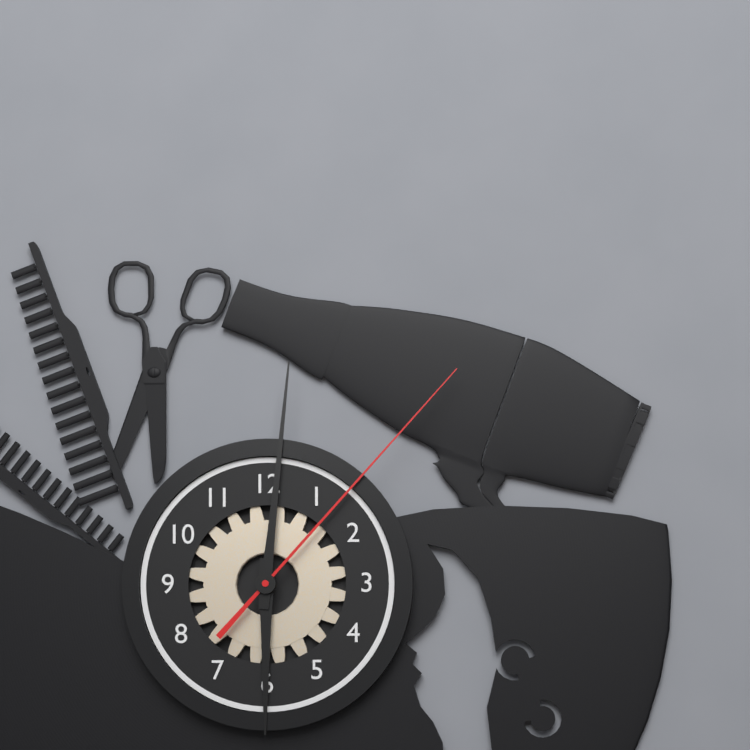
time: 6:01:07
